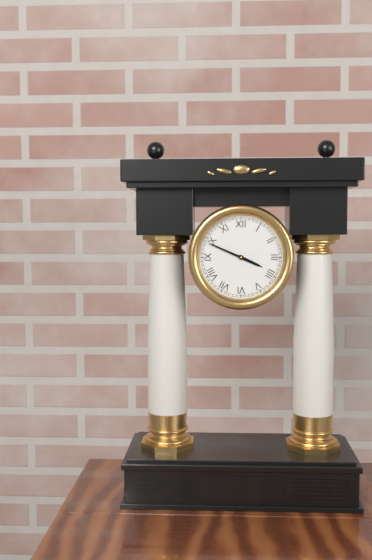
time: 3:49
